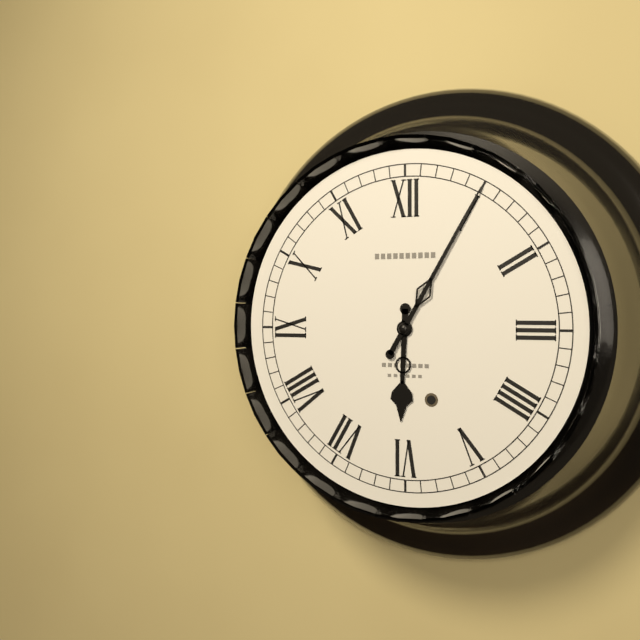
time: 6:05
